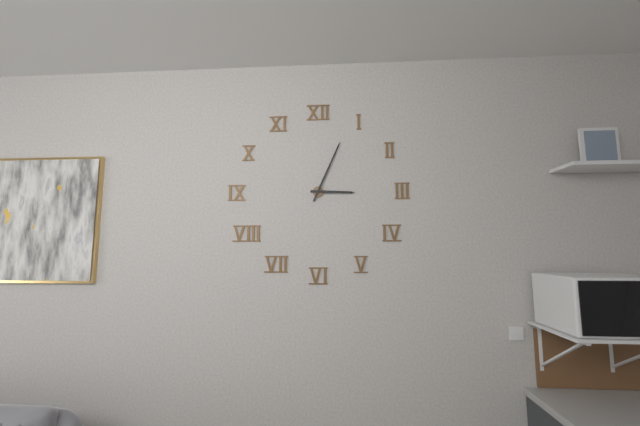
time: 3:04
